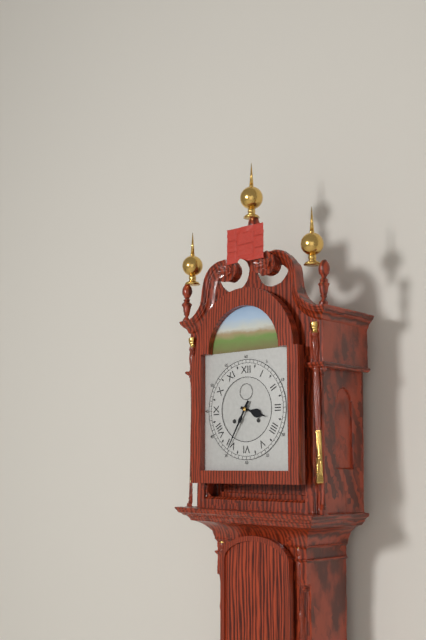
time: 3:35
